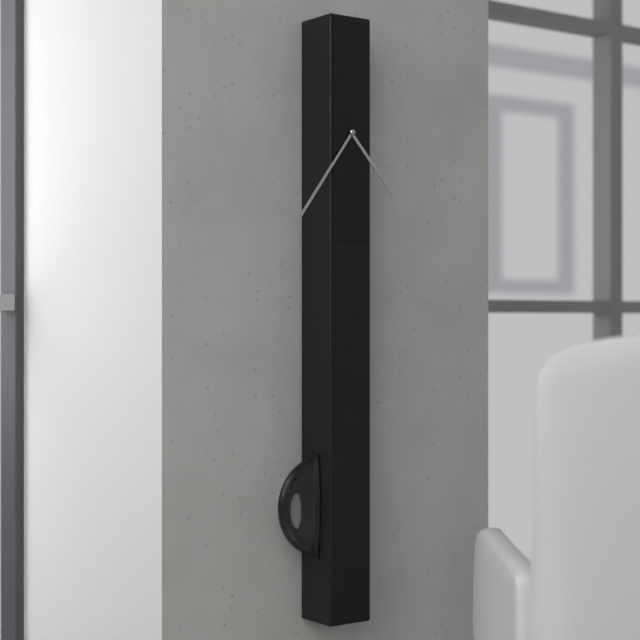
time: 4:36
